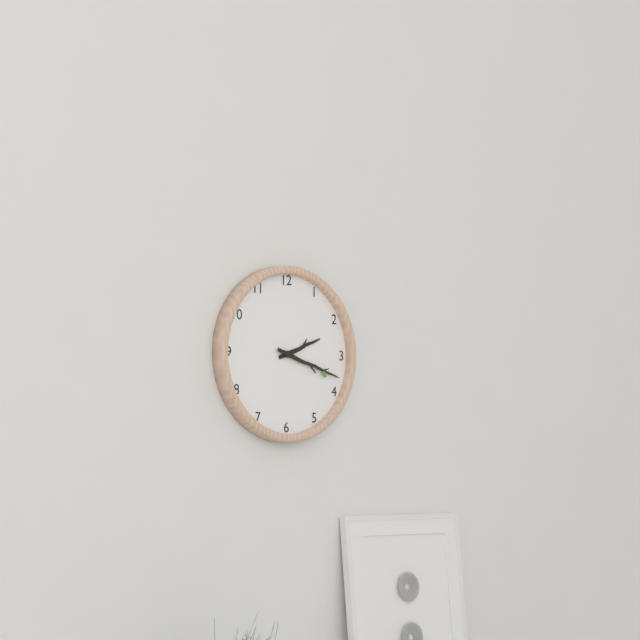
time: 2:18
